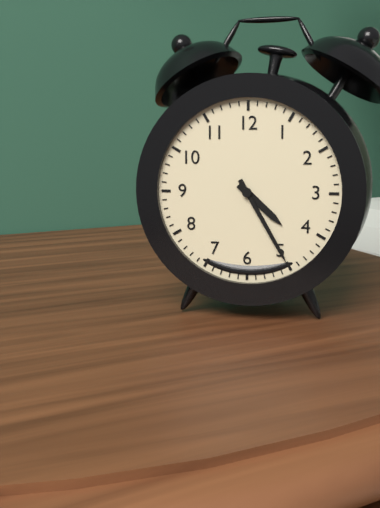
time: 4:25
